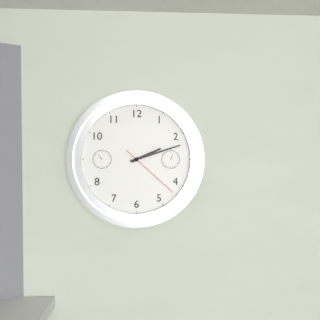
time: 2:12:22
